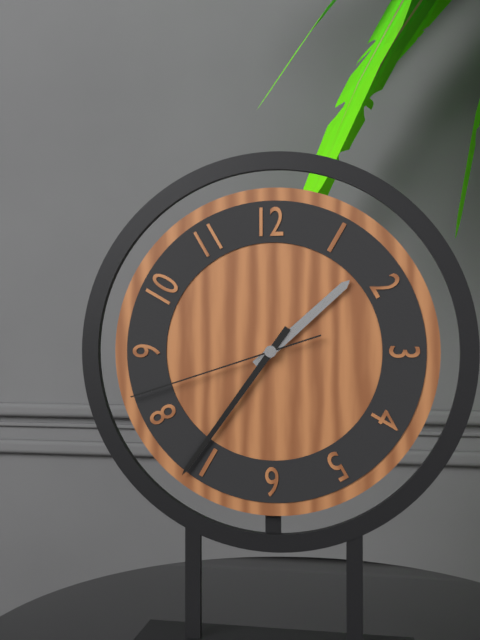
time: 1:36:42
